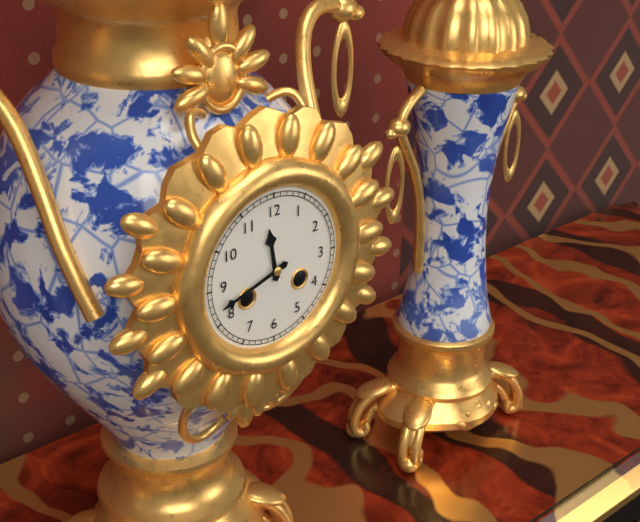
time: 11:42
